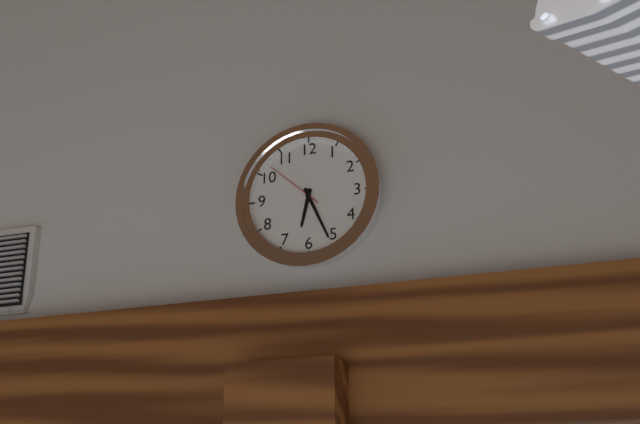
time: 6:26:52
